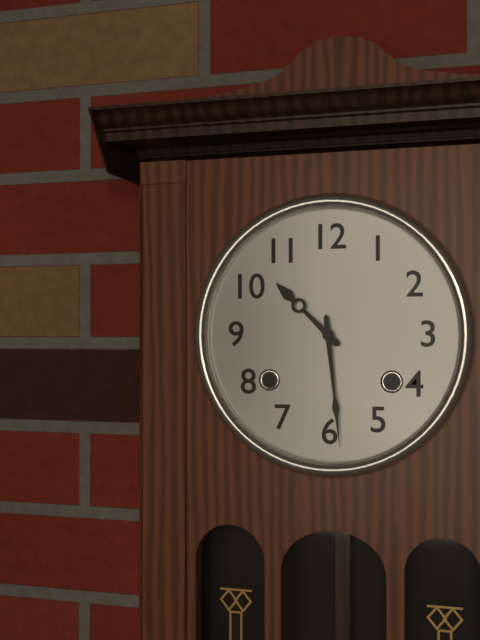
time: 10:29
